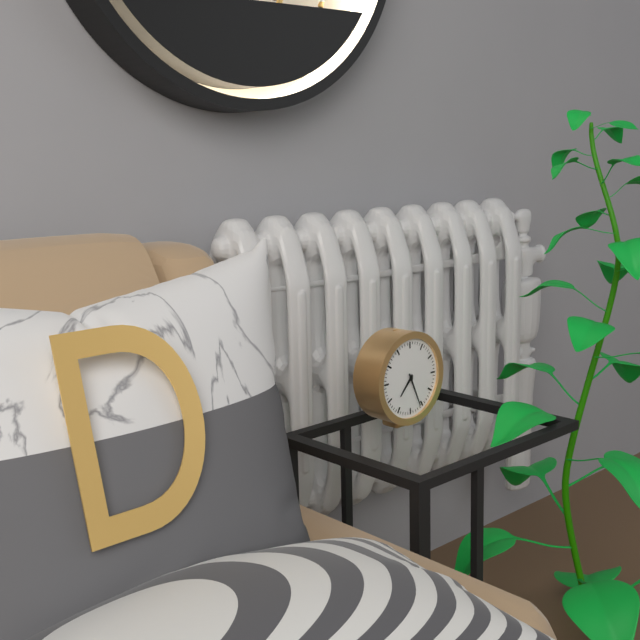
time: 7:26
